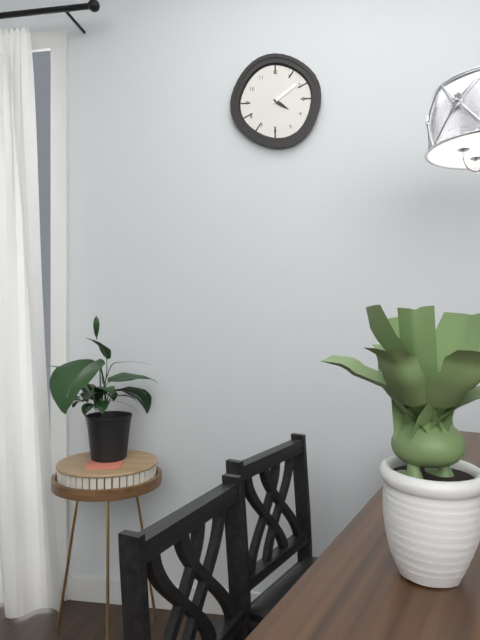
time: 4:09
